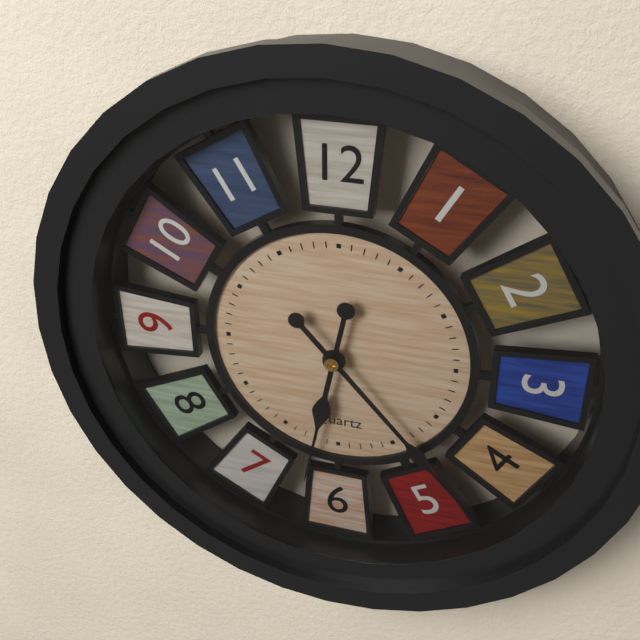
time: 6:23
